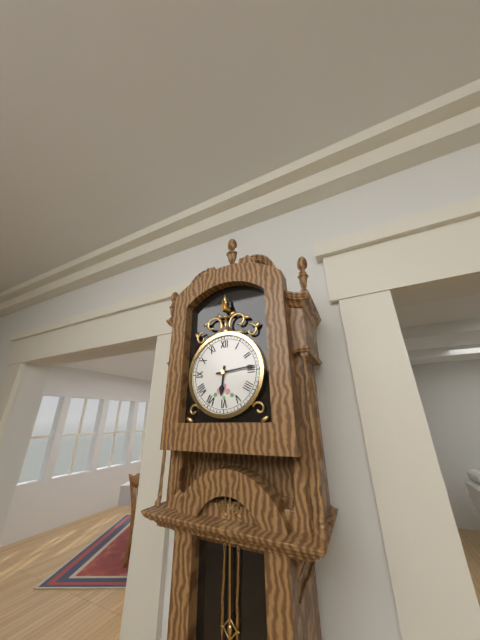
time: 6:14
